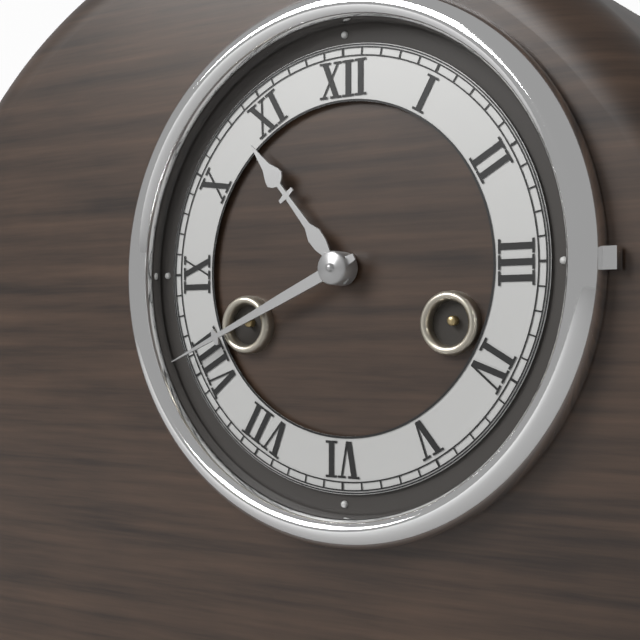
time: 10:41
